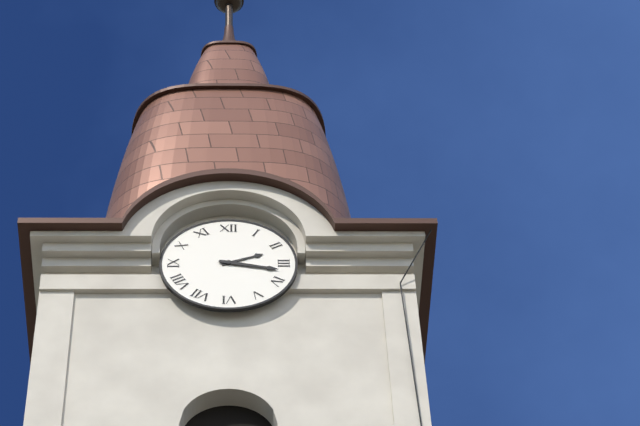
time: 2:17
